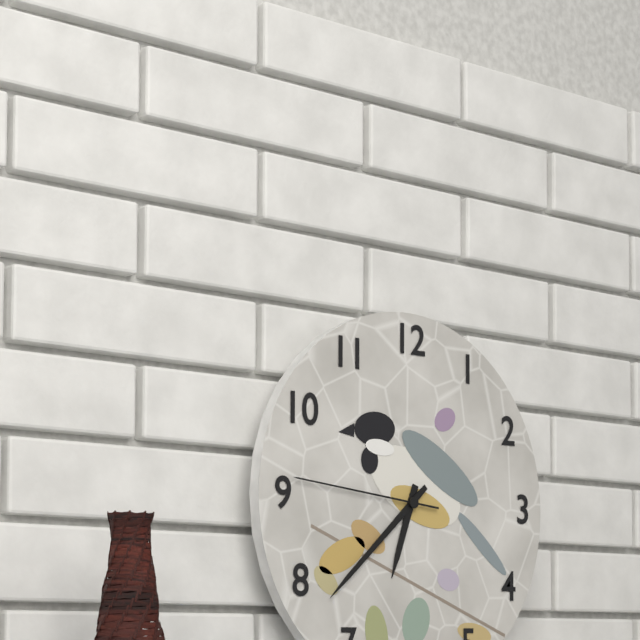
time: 6:38:46
